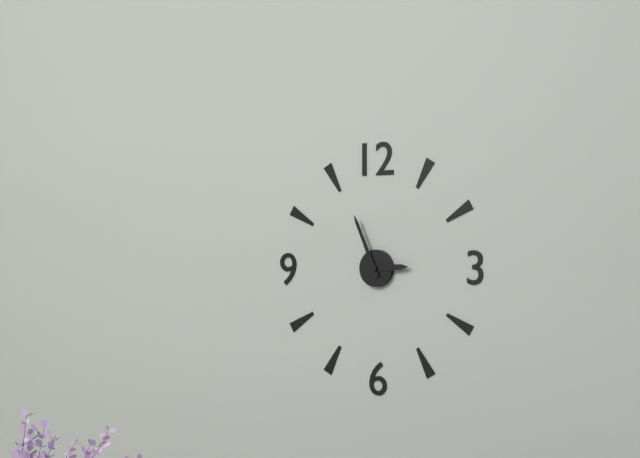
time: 2:56
